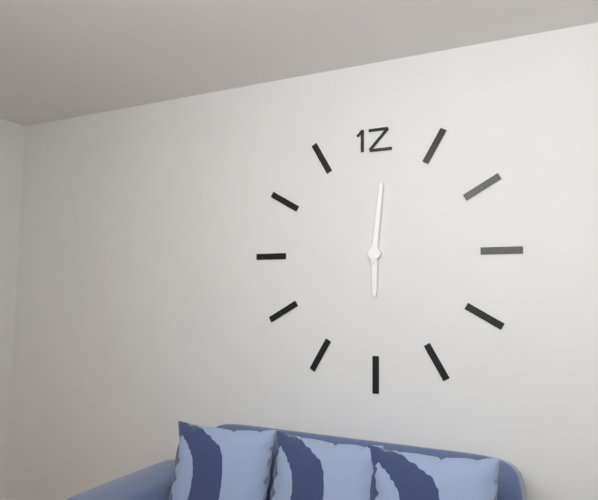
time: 6:01
